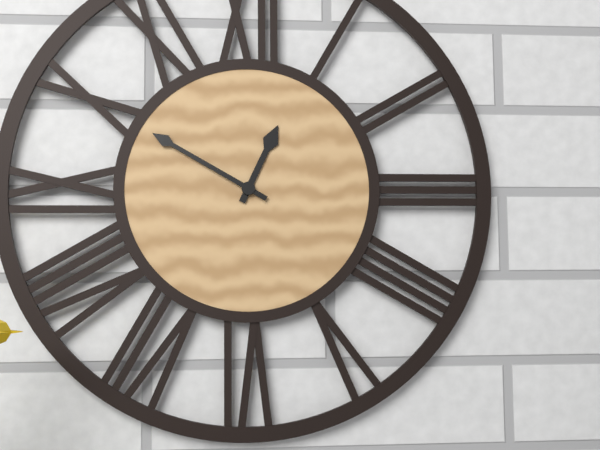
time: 12:50
